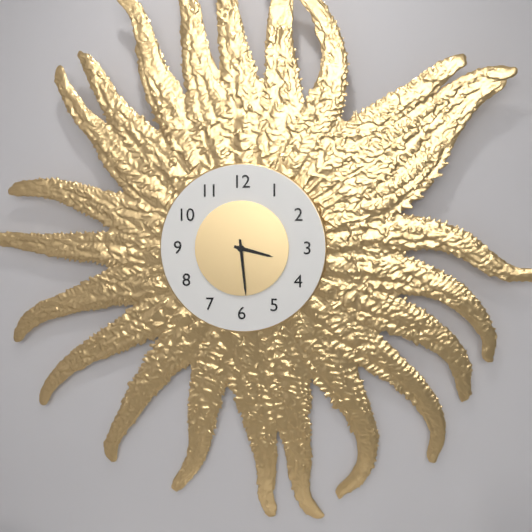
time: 3:29
